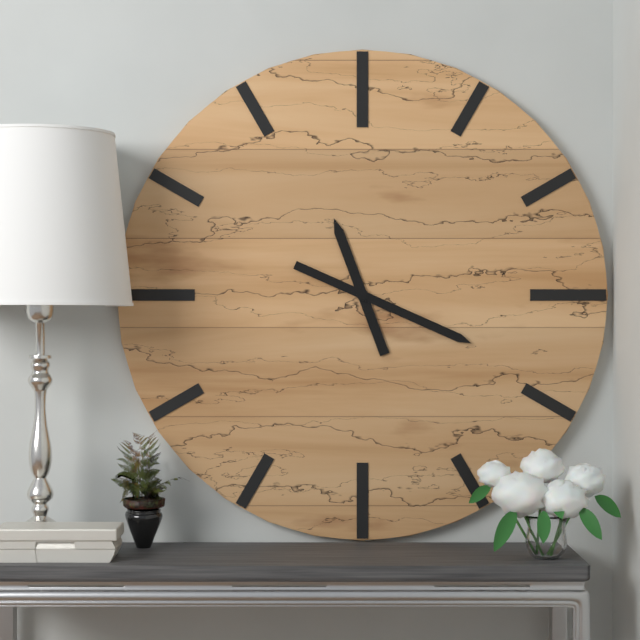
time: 11:19
